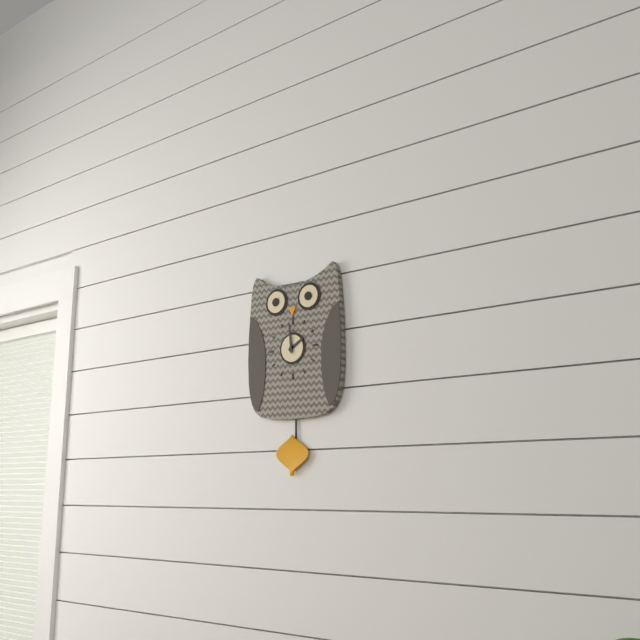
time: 1:59
